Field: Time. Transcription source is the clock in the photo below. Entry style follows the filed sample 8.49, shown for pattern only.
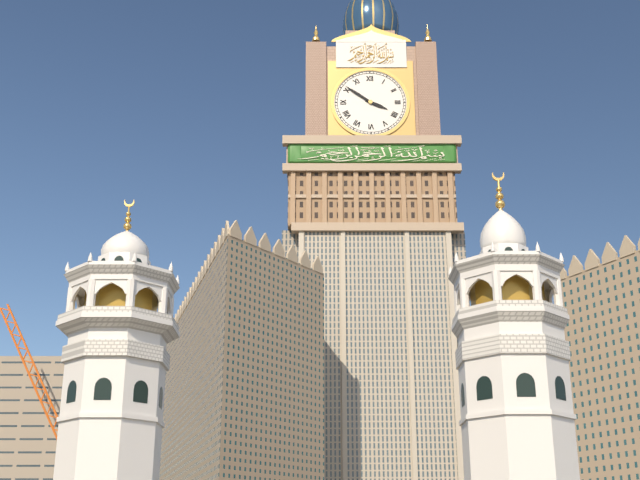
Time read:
3.51
